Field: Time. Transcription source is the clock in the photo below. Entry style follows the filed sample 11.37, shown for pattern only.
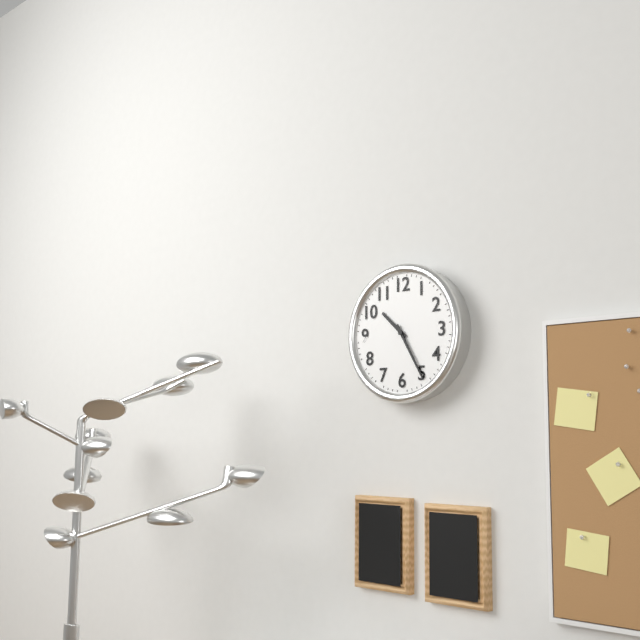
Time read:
10.25
